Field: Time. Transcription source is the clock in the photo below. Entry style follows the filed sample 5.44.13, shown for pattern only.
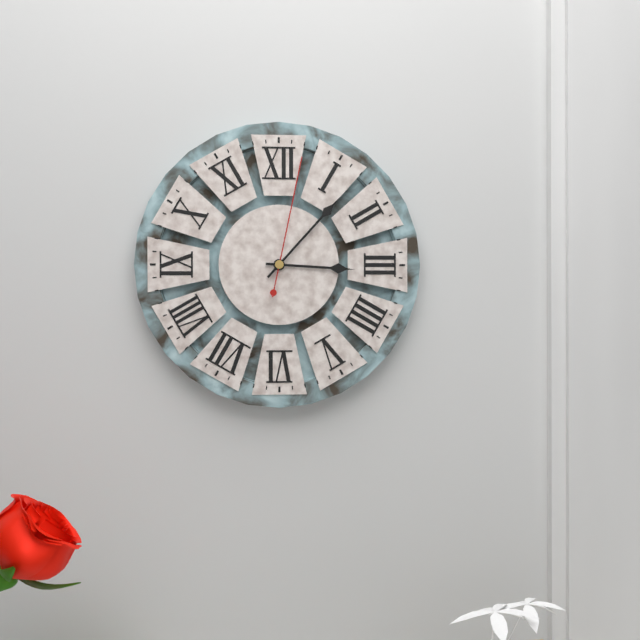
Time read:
3.07.02
